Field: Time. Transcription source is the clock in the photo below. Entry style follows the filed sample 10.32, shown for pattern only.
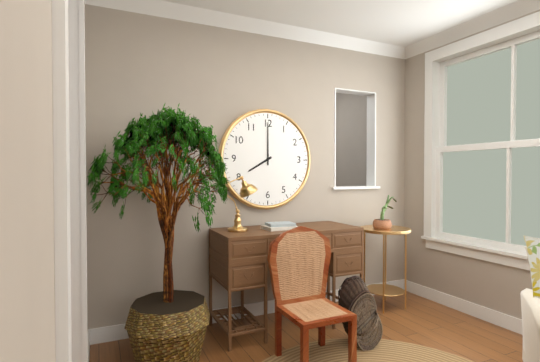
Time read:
8.00
